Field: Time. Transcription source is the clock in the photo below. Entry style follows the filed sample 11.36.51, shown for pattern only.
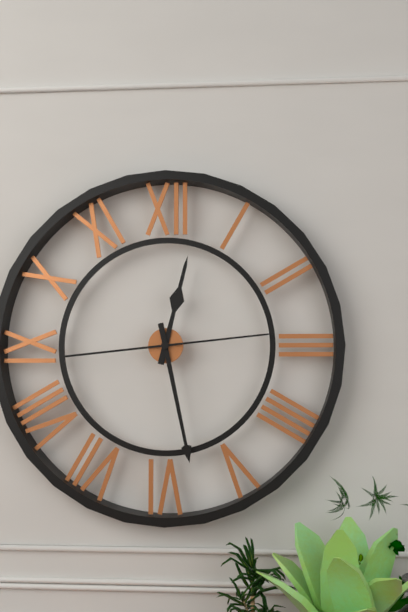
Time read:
12.28.14
